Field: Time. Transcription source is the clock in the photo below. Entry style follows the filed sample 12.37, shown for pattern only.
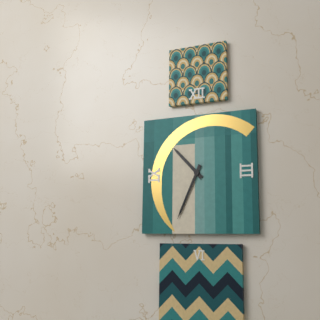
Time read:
10.34
